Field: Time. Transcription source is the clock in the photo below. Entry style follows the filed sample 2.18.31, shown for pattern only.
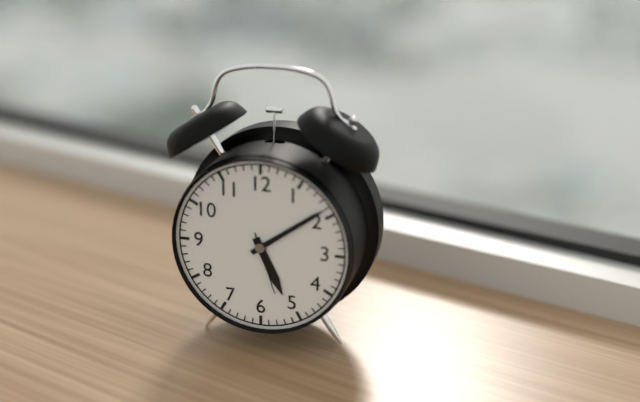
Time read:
5.09.27
